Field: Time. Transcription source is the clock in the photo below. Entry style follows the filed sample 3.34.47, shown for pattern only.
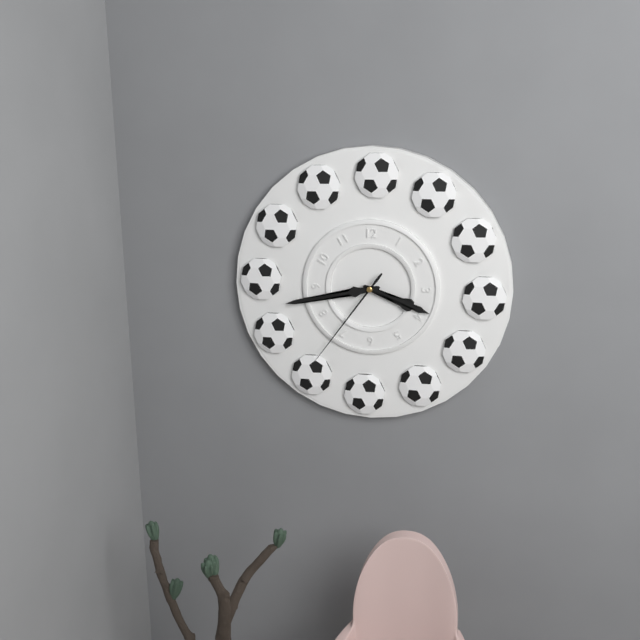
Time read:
3.43.36
